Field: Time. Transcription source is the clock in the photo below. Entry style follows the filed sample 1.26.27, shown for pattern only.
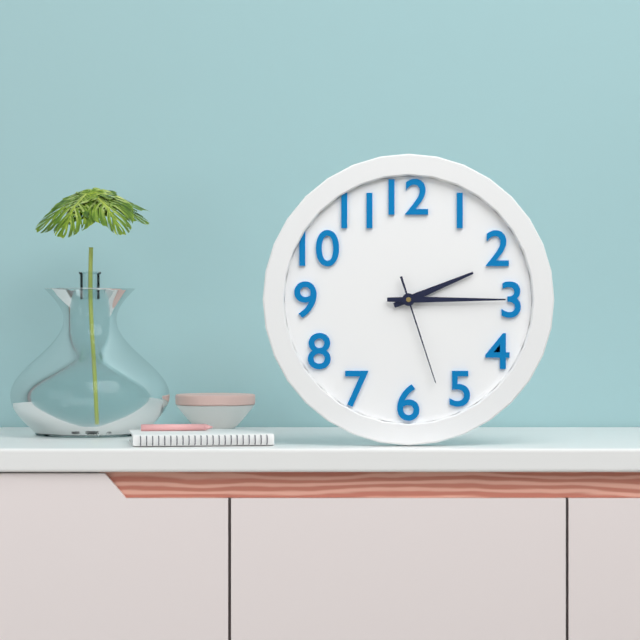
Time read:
2.15.27
